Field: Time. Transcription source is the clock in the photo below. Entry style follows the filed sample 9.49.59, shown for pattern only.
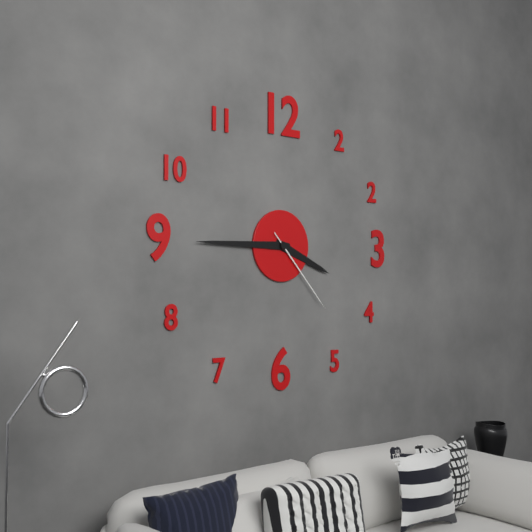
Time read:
3.45.23
